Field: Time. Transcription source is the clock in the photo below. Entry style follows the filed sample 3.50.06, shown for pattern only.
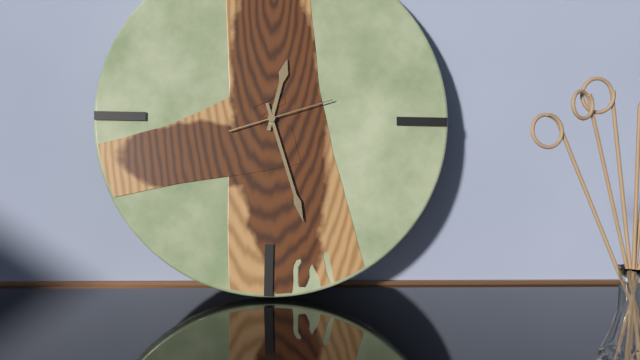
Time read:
12.27.12
